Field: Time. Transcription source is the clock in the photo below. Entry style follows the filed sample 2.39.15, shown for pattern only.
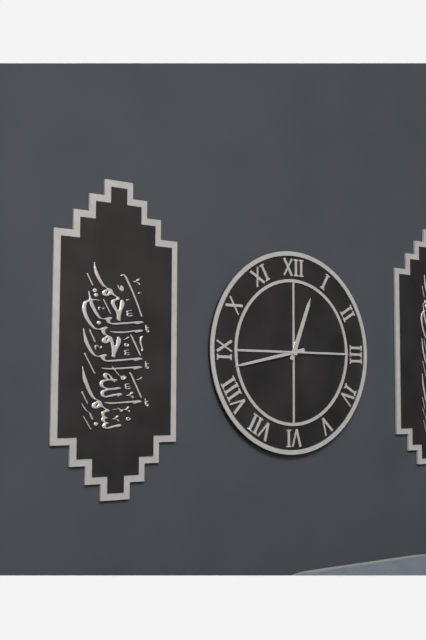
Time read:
12.43.15
